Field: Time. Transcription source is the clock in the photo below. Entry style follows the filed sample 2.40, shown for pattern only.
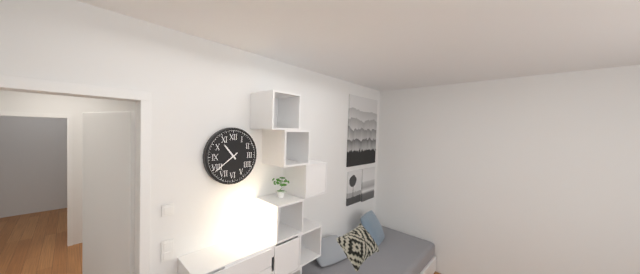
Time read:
10.39
